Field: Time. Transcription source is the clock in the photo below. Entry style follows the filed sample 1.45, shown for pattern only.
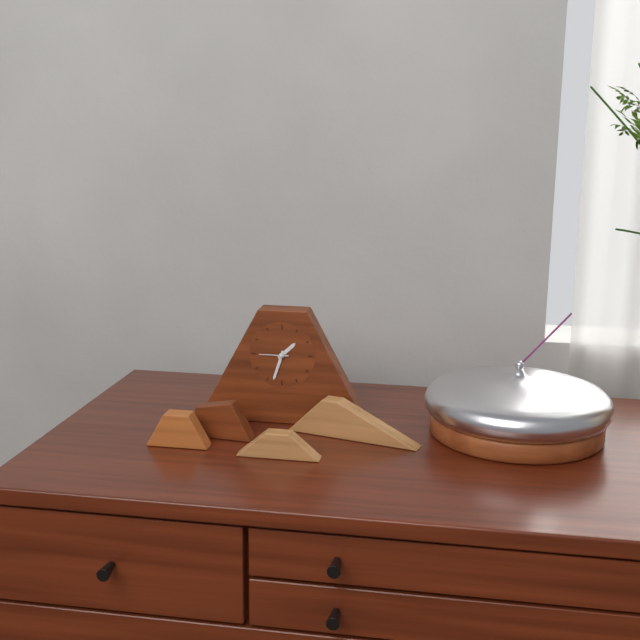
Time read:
1.33
